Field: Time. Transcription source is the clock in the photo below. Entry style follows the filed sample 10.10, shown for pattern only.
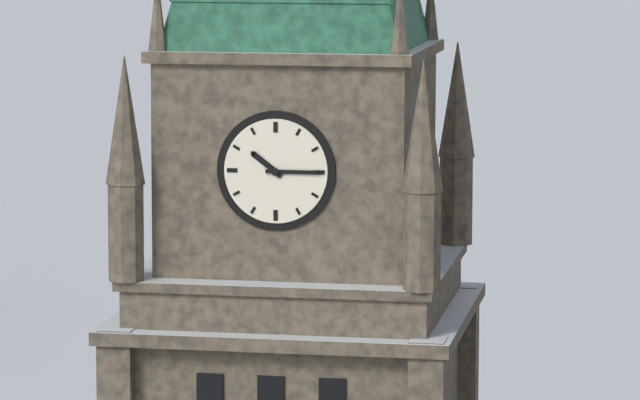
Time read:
10.15
